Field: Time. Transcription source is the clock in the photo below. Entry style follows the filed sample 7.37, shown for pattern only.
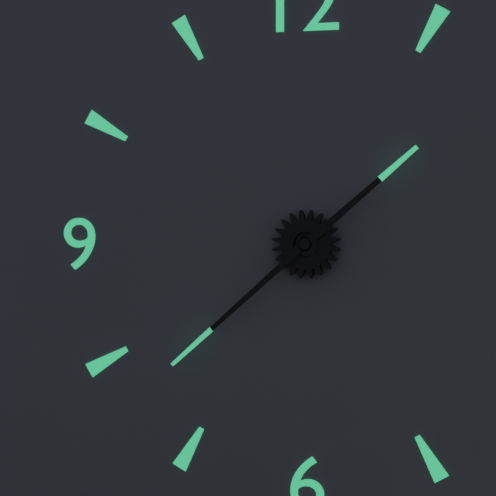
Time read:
1.38
